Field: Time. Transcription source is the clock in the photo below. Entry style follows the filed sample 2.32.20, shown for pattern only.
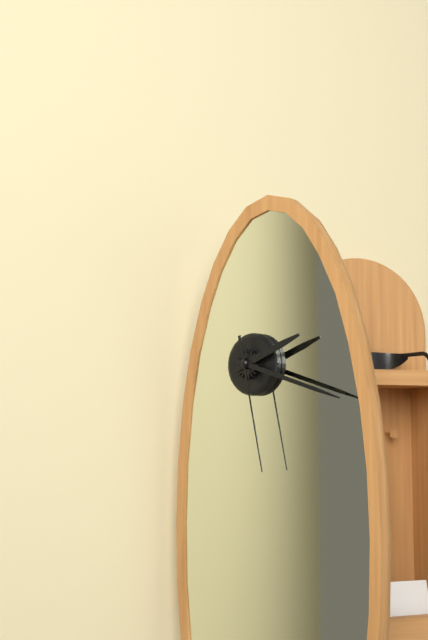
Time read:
2.18.28
